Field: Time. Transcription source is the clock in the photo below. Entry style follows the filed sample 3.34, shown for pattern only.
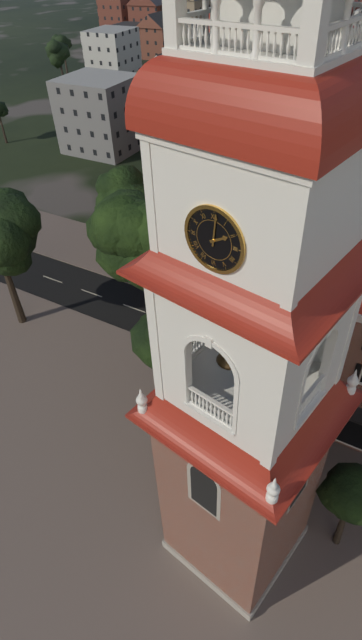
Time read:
2.01
